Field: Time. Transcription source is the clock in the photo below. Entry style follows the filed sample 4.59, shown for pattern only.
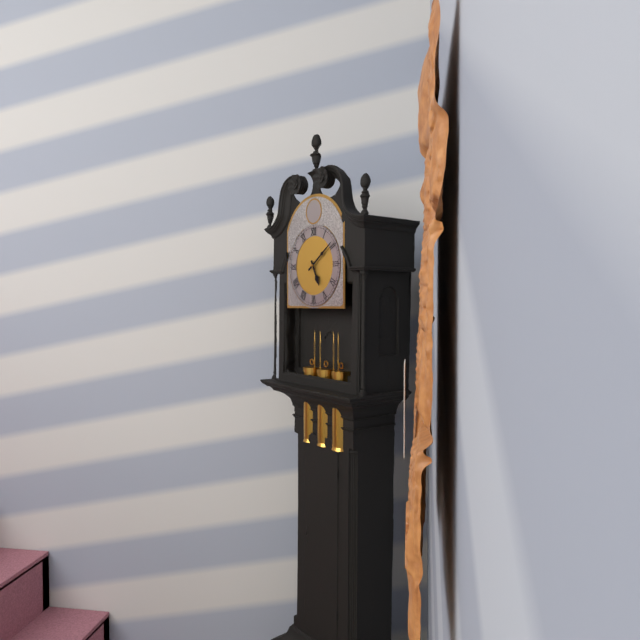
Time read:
5.09
